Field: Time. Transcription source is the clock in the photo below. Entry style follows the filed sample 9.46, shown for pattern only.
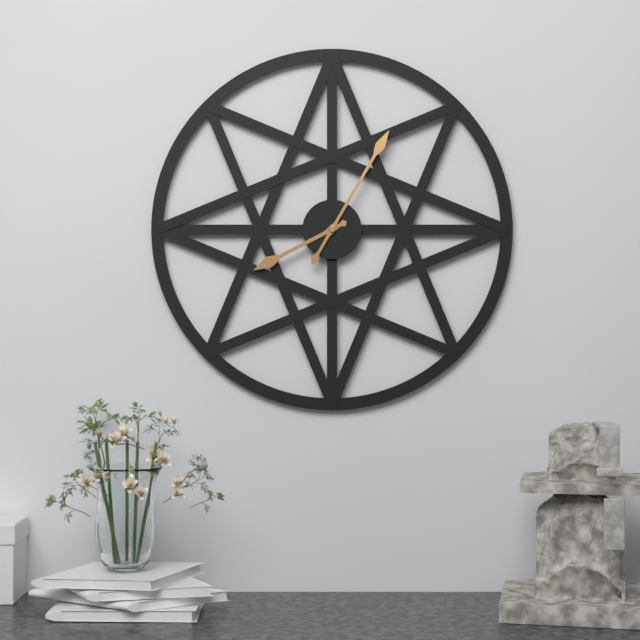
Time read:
8.05
